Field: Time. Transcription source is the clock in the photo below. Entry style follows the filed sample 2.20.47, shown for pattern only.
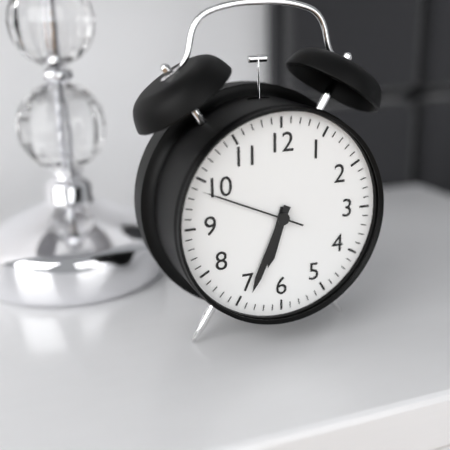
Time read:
6.34.49
